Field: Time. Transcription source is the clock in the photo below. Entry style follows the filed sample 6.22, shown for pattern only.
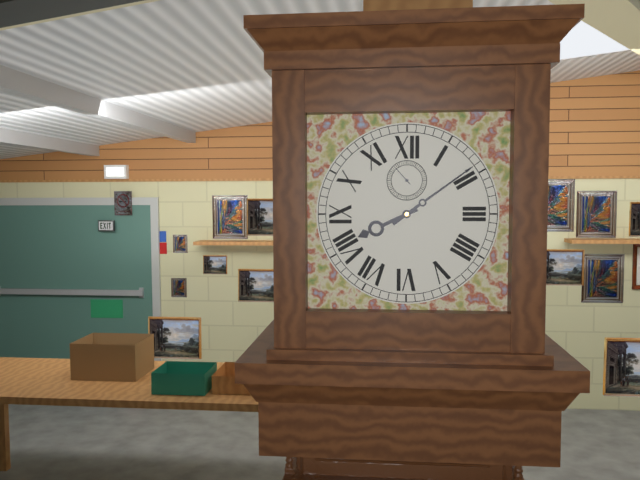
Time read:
8.09
